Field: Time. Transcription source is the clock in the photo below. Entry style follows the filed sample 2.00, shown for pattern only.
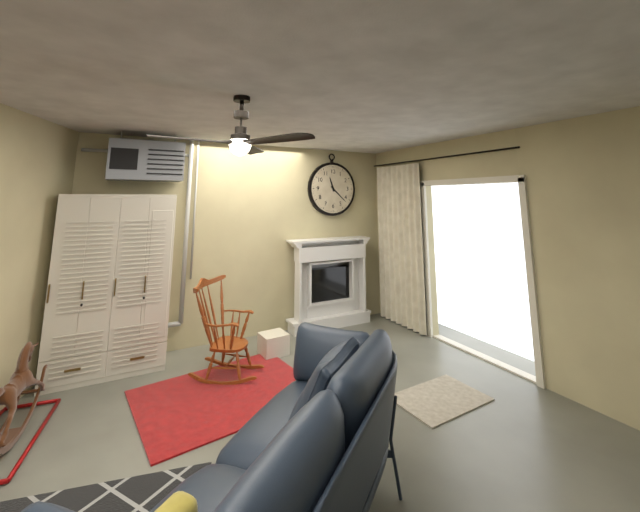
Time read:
11.22
